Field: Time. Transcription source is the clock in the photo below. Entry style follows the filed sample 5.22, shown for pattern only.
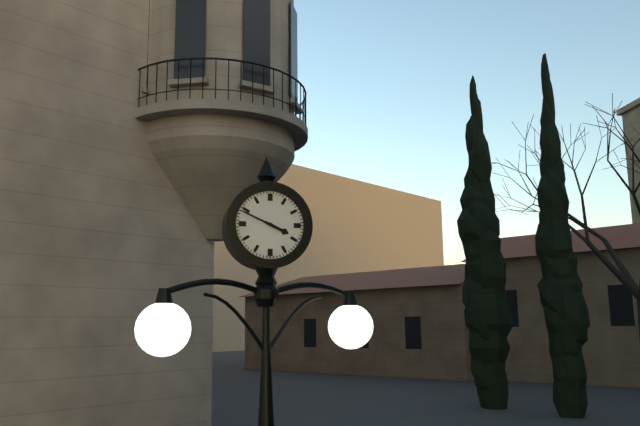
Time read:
3.49
